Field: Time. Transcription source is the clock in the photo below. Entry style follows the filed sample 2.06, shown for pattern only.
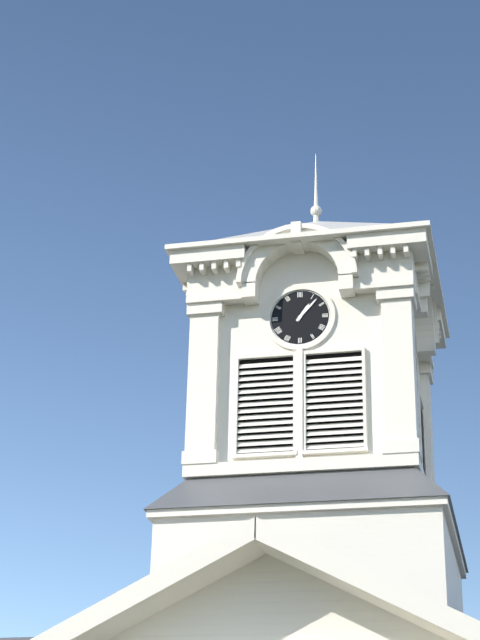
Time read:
1.07
